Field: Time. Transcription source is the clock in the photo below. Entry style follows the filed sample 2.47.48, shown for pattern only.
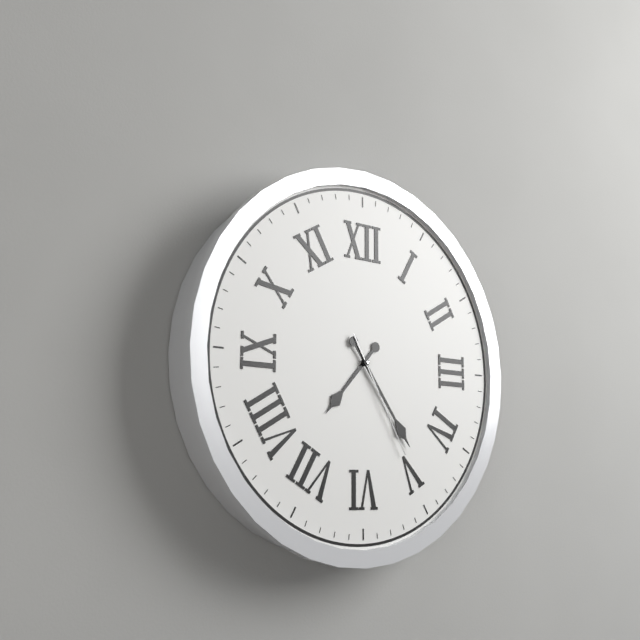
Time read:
7.24.25
